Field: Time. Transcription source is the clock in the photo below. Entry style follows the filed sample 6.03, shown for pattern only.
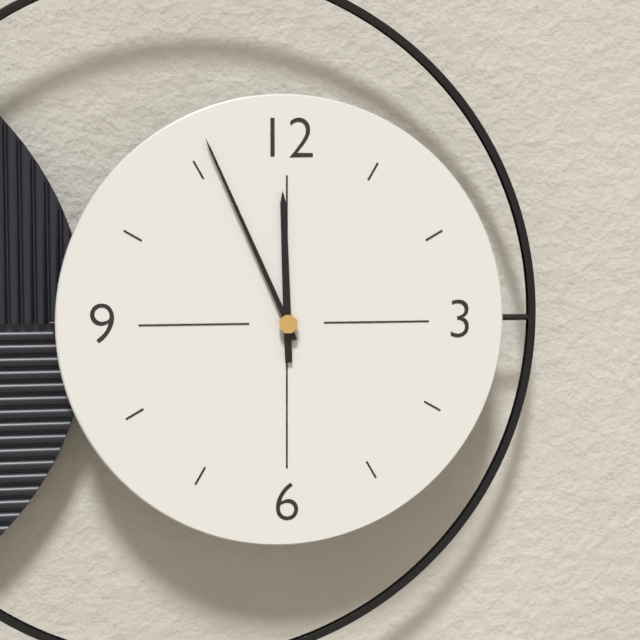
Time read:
11.56
